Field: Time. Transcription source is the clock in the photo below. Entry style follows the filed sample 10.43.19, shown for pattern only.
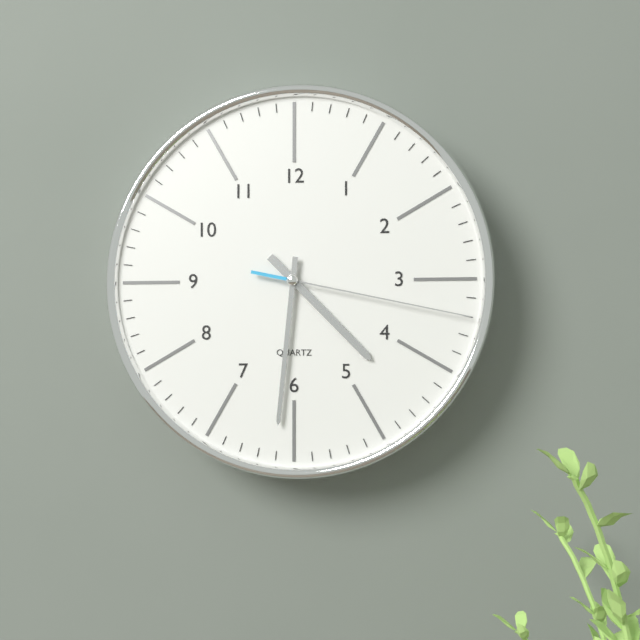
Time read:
4.31.17
